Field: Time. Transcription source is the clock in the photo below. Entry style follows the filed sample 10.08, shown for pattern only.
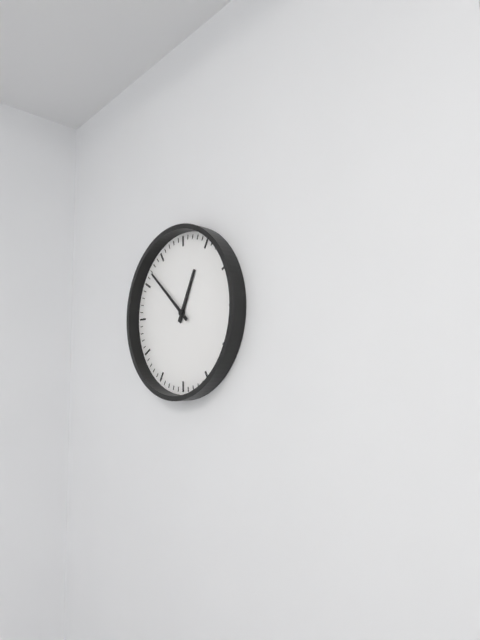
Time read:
12.52
